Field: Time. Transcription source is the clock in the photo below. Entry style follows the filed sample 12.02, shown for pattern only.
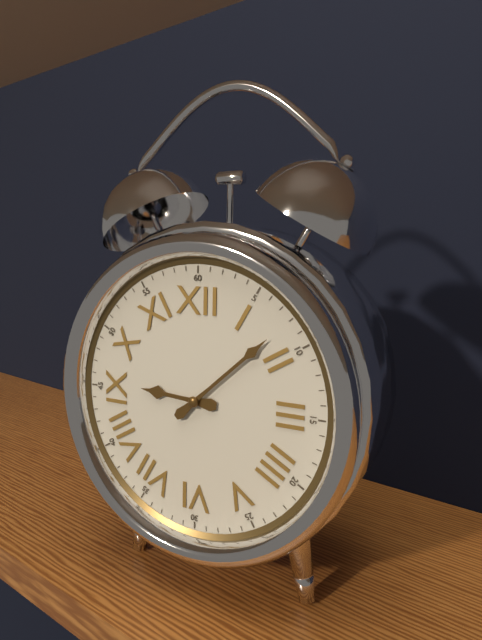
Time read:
9.08
